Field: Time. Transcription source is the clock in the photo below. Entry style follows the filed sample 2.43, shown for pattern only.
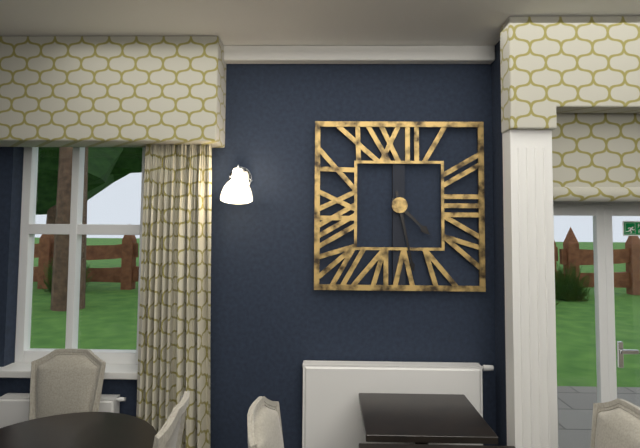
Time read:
4.28
